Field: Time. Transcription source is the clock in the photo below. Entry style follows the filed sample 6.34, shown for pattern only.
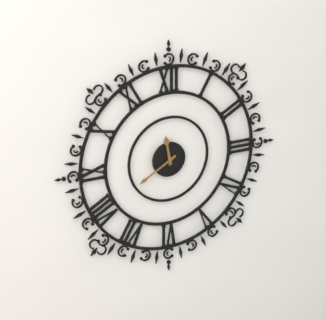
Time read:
11.40
